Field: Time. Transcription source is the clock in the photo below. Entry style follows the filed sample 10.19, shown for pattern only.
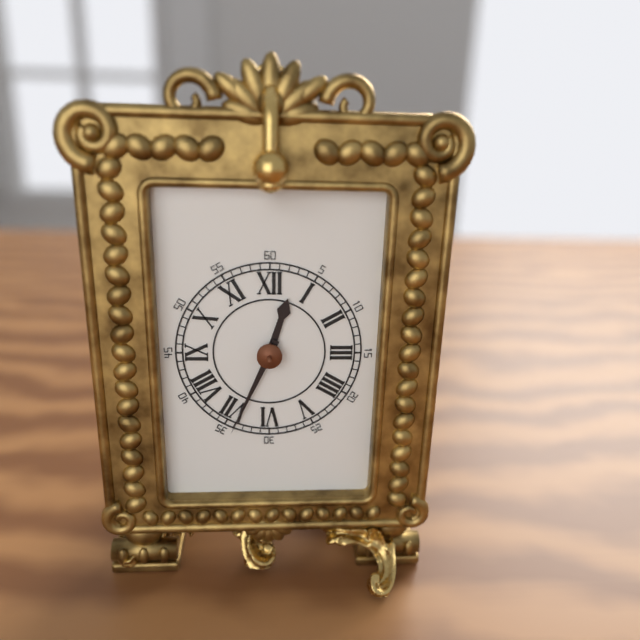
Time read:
12.34
